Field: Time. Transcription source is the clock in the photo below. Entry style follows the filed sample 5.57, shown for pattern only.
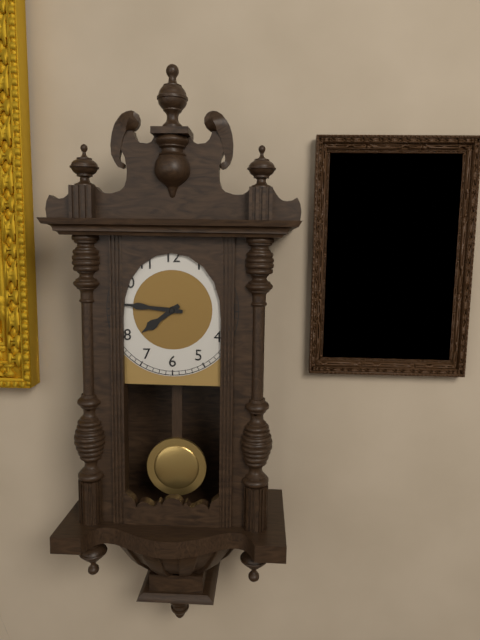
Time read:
7.46
